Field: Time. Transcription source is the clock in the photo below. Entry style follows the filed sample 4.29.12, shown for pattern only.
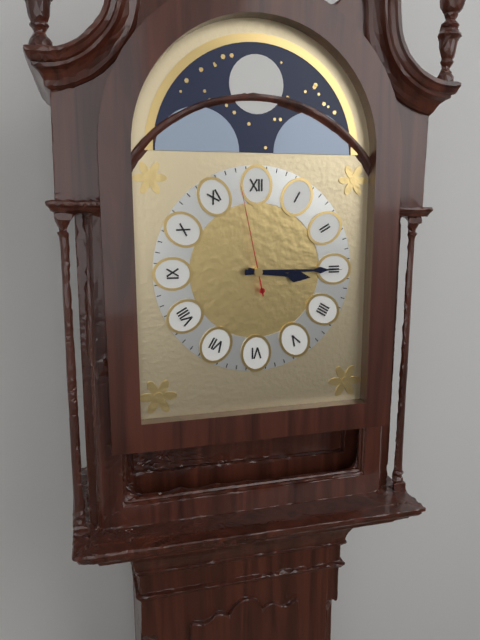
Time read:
3.15.58
